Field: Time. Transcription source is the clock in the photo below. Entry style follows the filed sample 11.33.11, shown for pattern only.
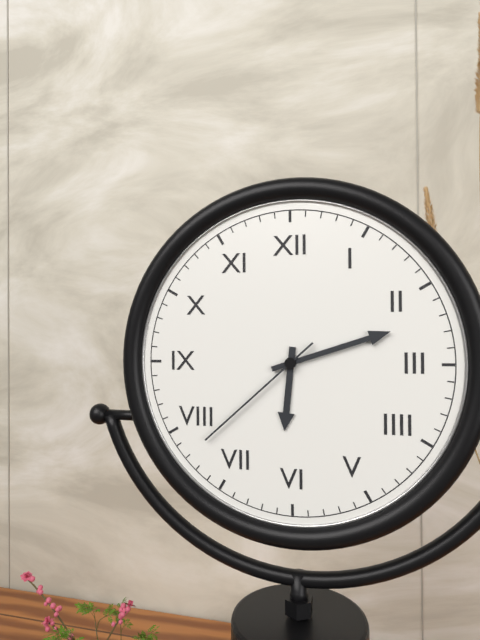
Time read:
6.12.38
